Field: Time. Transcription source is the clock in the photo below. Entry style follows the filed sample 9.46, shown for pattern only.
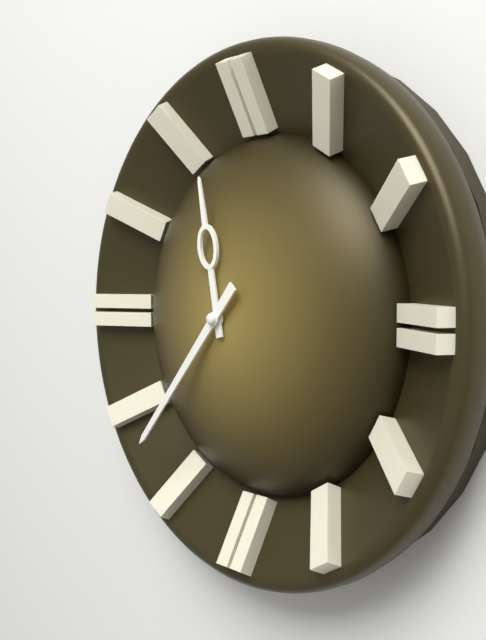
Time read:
11.37
